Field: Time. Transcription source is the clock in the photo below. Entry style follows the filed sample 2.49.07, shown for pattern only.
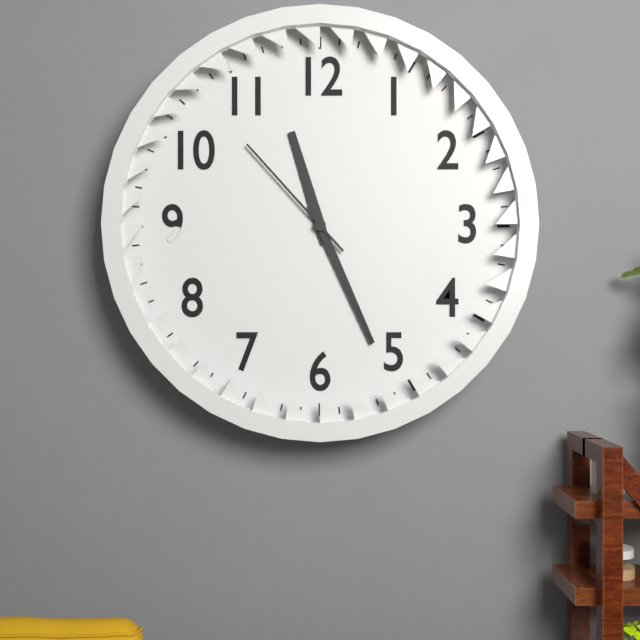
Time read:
11.26.53
